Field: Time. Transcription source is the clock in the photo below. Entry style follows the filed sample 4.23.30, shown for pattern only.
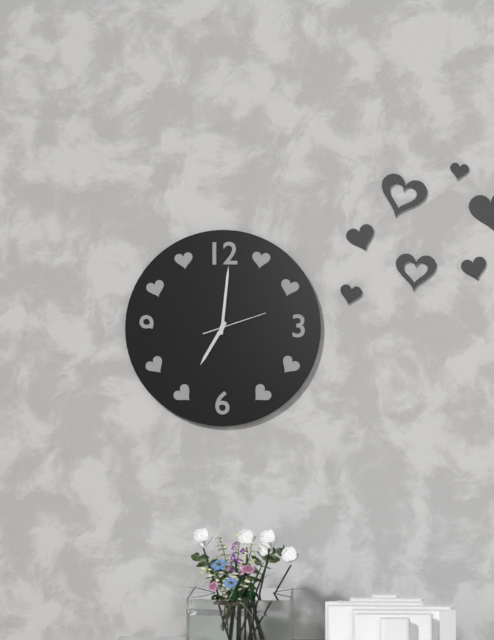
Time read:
7.01.12
